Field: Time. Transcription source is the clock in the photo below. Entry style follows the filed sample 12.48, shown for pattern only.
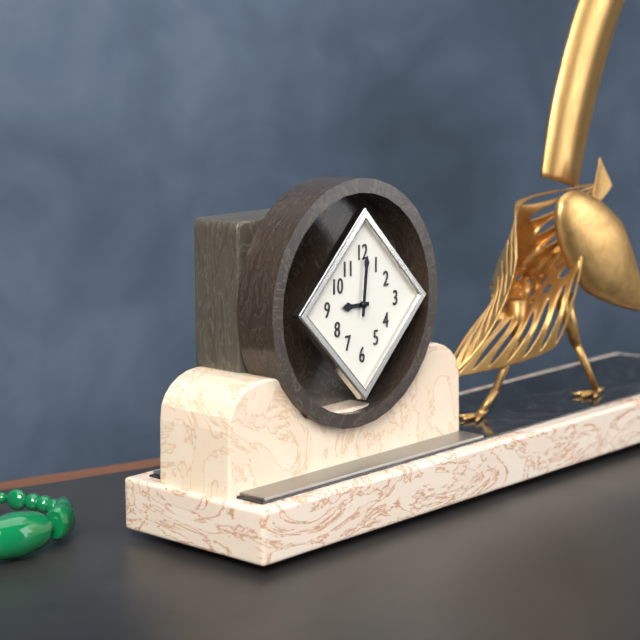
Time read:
9.01
